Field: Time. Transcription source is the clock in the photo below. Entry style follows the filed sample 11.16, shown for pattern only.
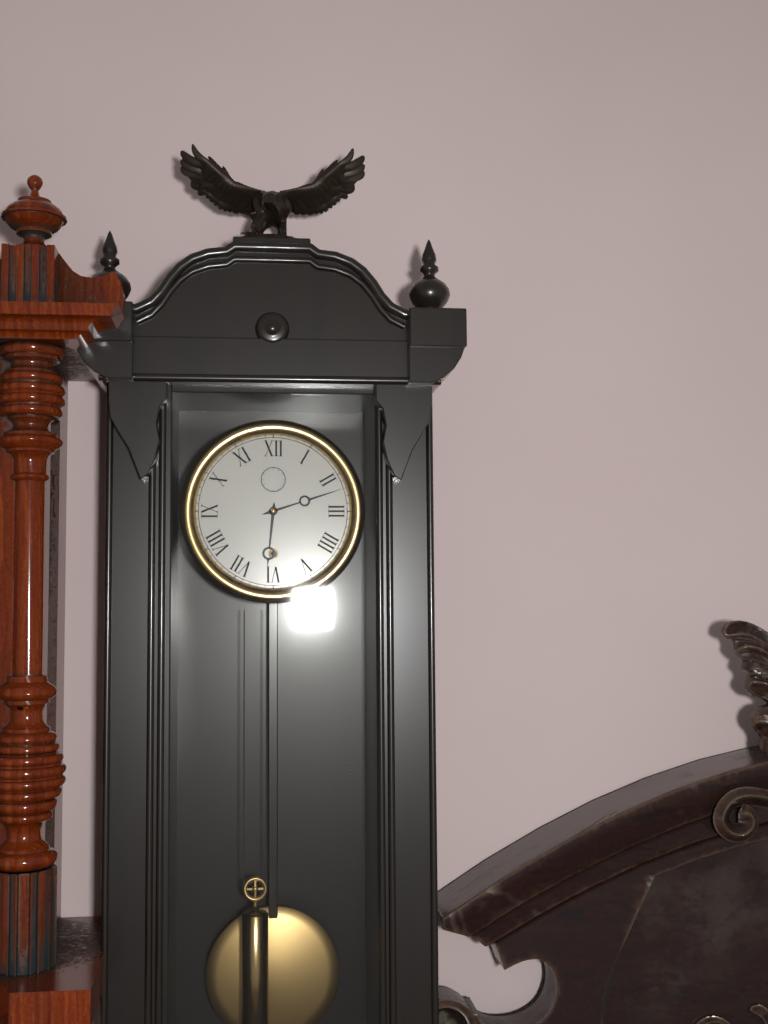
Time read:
6.12
